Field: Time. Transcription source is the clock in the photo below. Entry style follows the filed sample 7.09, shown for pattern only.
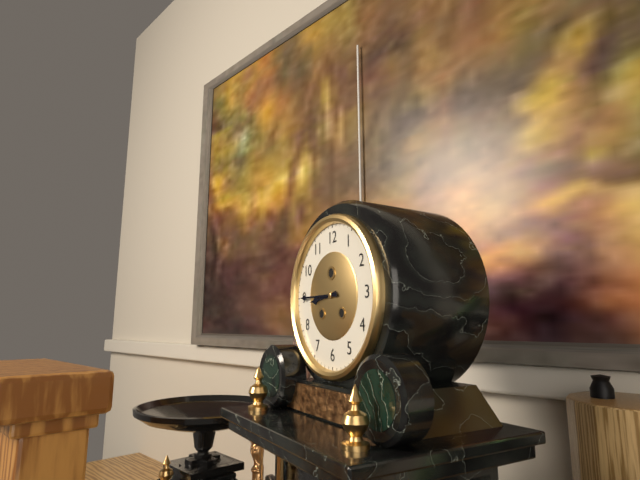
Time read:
8.45
